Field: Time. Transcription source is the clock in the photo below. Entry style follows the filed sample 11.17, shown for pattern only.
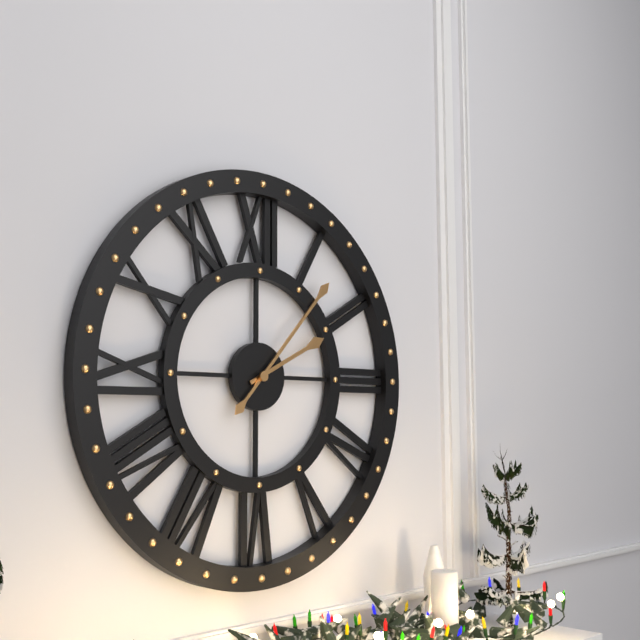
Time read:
2.07
